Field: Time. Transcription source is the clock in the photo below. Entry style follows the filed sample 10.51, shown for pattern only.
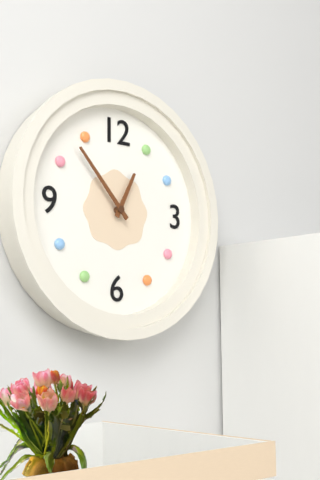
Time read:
12.53
